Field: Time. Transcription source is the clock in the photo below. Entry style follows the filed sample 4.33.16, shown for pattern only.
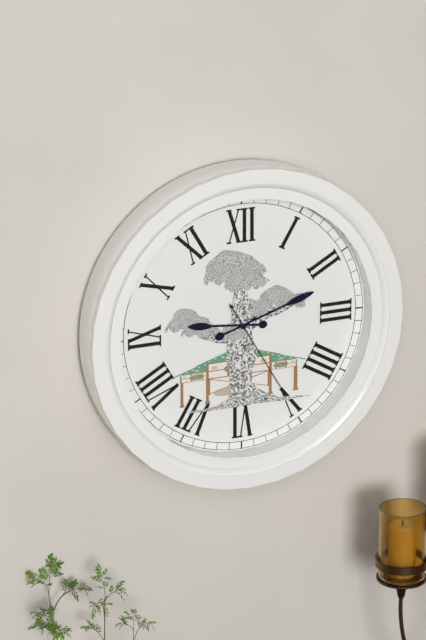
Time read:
9.12.25
